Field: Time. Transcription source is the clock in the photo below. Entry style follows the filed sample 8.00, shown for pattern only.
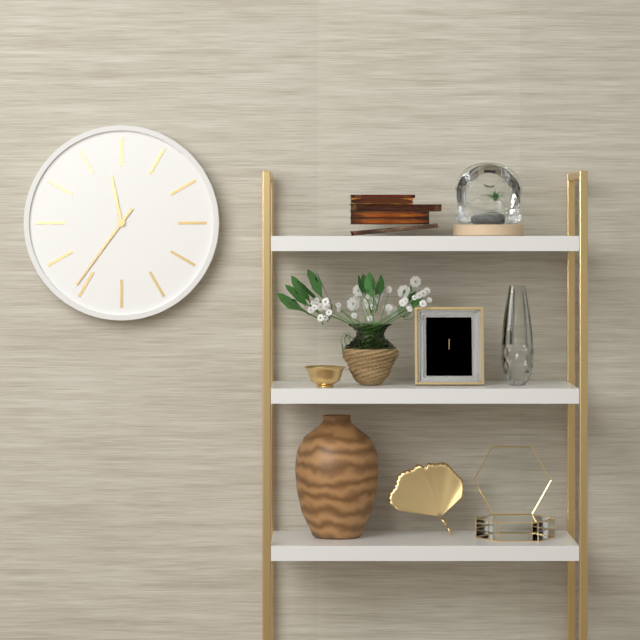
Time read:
11.36
